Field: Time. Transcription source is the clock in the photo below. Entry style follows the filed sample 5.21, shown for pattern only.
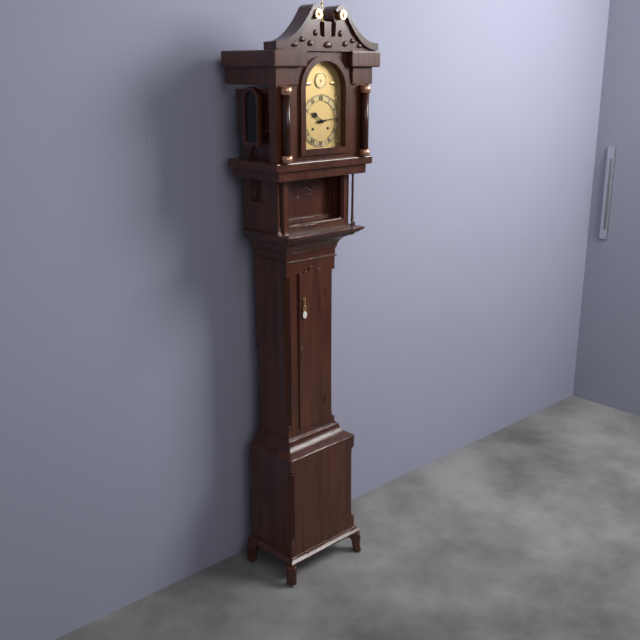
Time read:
10.14
